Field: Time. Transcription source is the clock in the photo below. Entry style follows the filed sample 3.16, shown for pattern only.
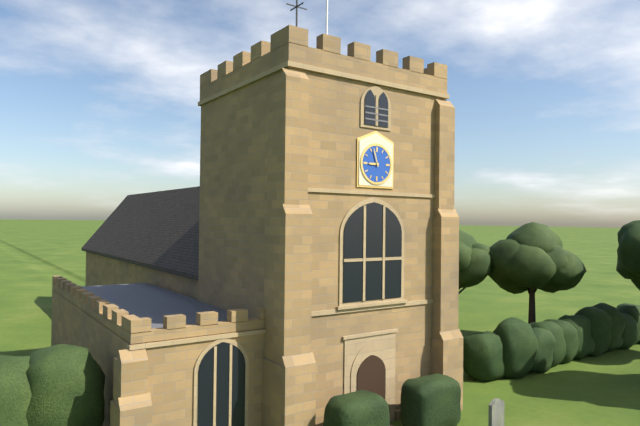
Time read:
8.57
